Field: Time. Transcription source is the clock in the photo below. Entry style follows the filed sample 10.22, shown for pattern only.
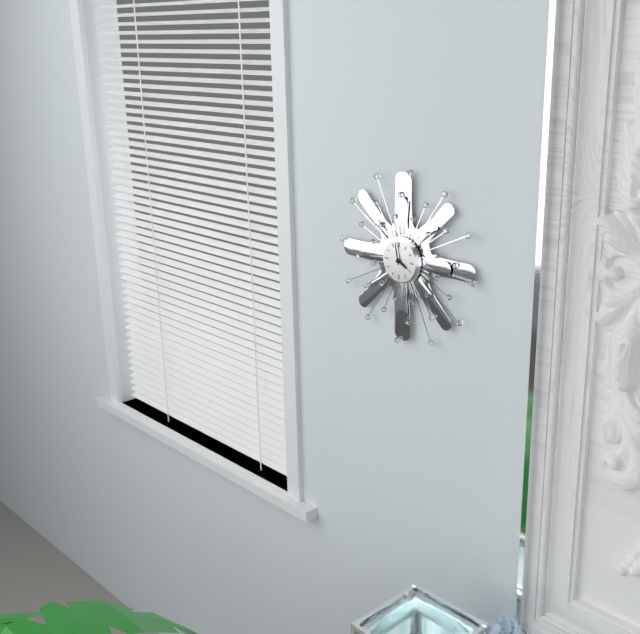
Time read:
3.58
